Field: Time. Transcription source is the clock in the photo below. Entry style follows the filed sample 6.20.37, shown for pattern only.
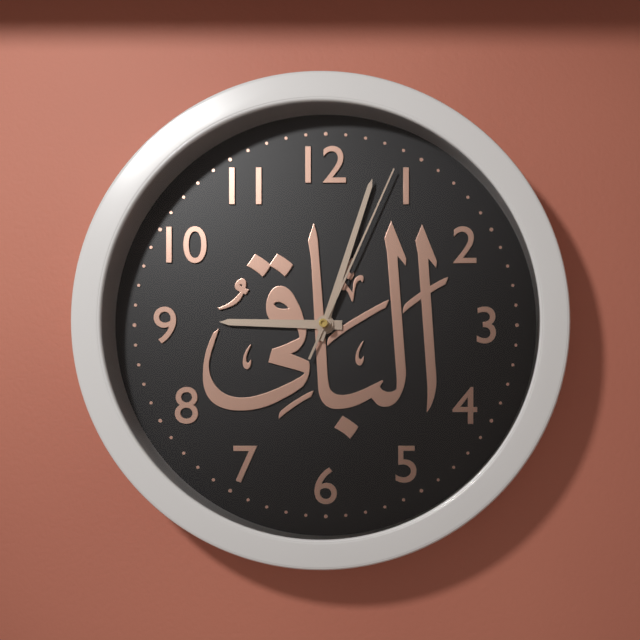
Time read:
9.03.04
